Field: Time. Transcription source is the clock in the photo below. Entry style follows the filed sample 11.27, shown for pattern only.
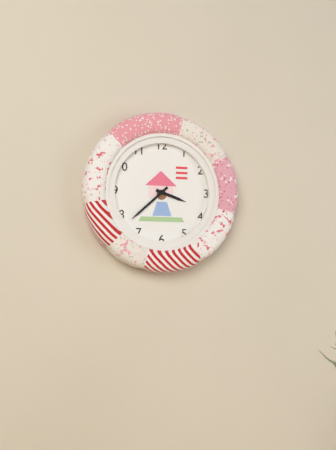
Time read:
3.38
